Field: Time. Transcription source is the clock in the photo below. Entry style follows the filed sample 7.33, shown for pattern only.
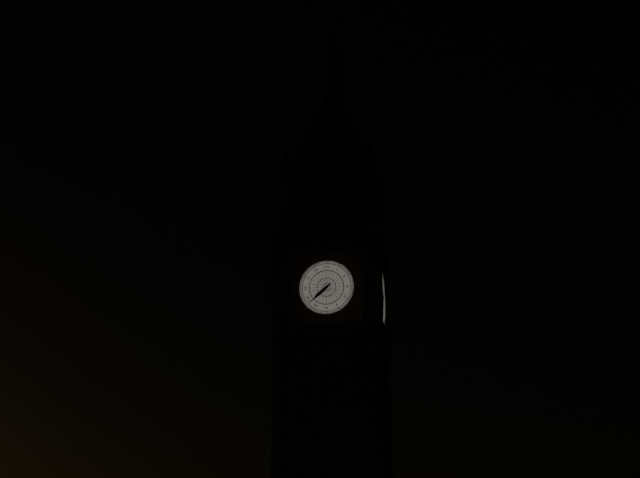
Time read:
7.38
